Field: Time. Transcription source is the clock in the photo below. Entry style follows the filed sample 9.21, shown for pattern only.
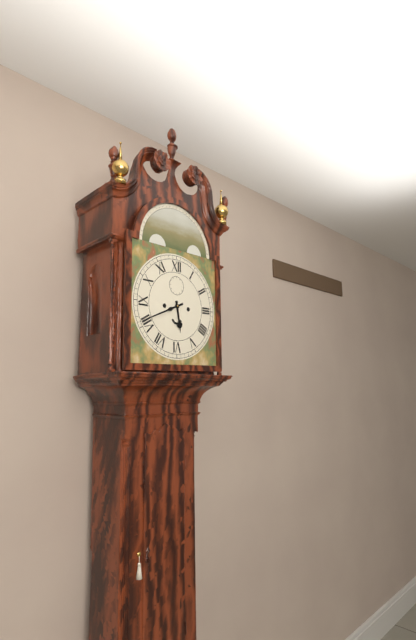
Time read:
5.41
